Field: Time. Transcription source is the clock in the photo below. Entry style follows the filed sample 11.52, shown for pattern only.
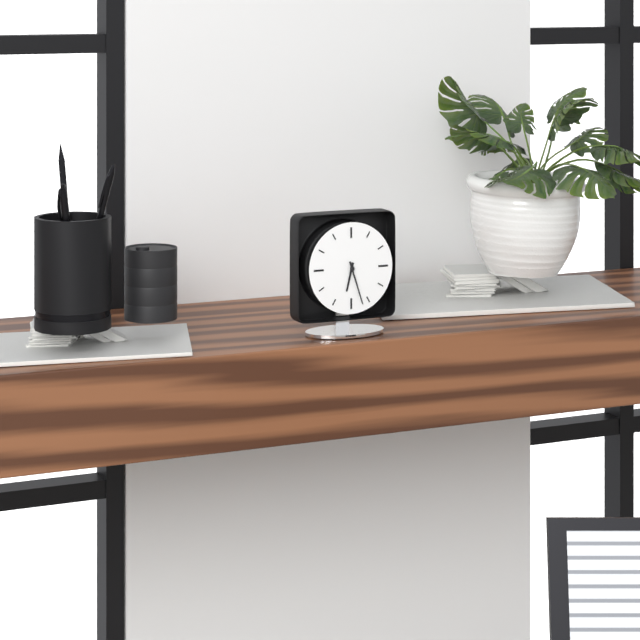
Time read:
6.27
